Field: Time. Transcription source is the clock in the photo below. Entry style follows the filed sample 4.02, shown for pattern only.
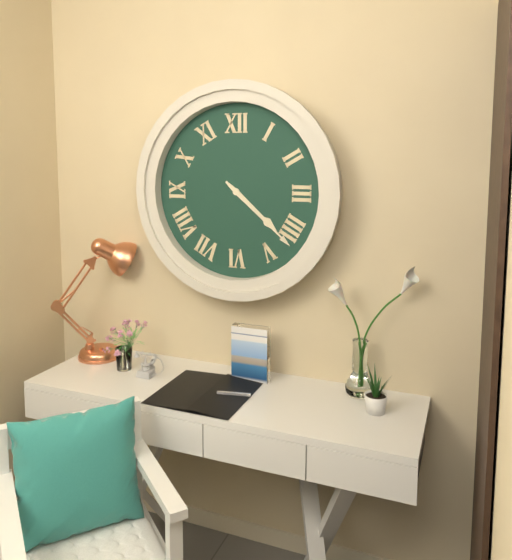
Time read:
4.22
